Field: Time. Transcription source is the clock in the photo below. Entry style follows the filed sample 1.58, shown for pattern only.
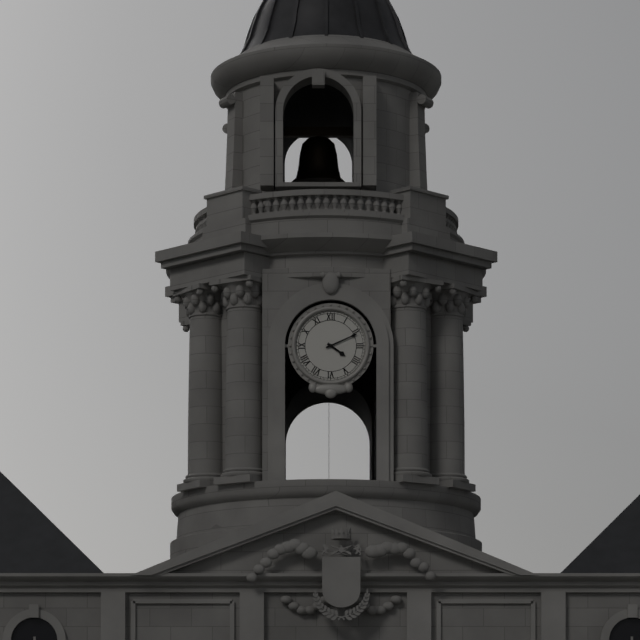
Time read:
4.11
